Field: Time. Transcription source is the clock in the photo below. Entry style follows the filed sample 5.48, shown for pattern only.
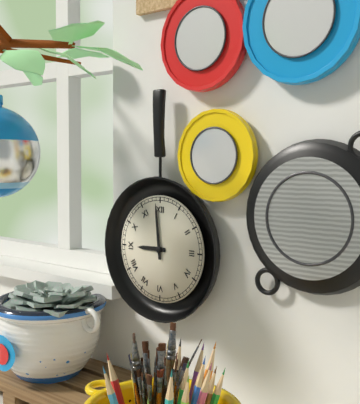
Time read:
8.59
